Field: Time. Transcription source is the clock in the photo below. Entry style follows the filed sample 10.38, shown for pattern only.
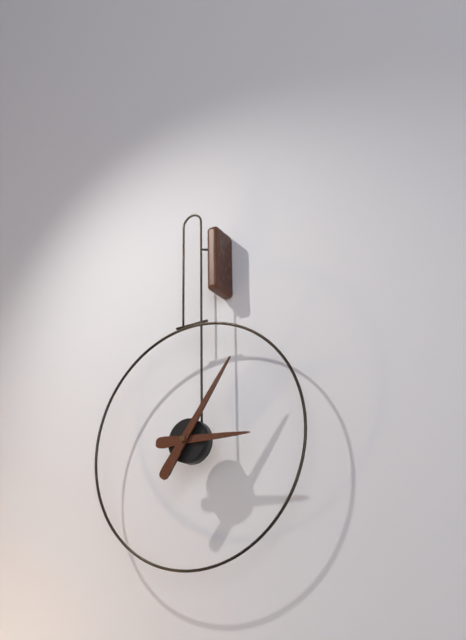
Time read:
3.06
